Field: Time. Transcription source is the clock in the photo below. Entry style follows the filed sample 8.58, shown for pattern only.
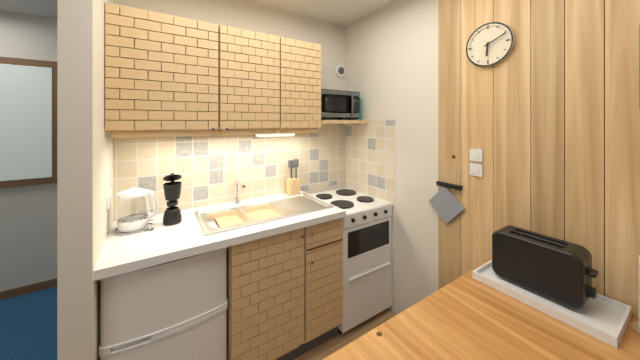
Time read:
6.11
